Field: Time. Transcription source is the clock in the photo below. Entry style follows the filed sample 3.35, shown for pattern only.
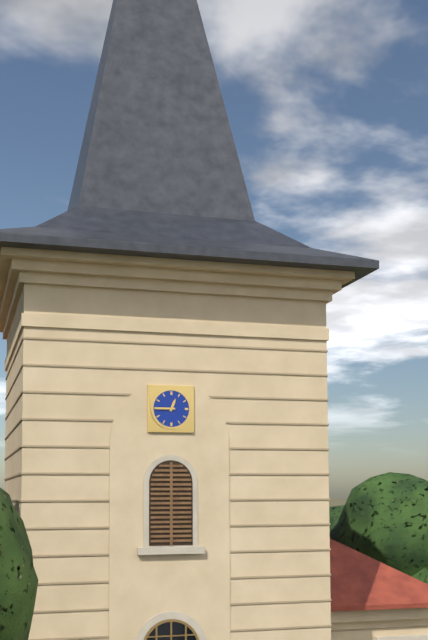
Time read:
12.45
